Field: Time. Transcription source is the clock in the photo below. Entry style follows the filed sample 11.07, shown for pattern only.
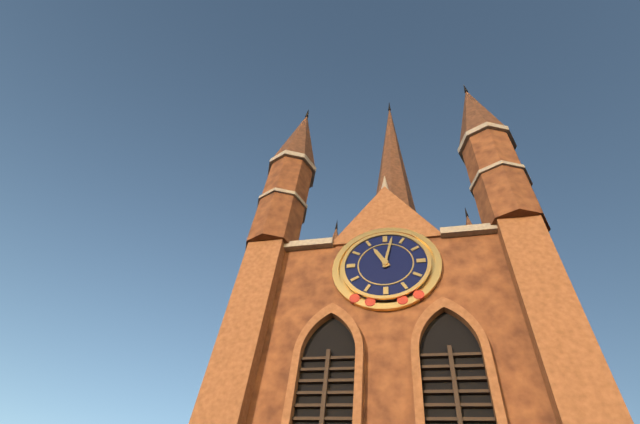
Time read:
11.02
